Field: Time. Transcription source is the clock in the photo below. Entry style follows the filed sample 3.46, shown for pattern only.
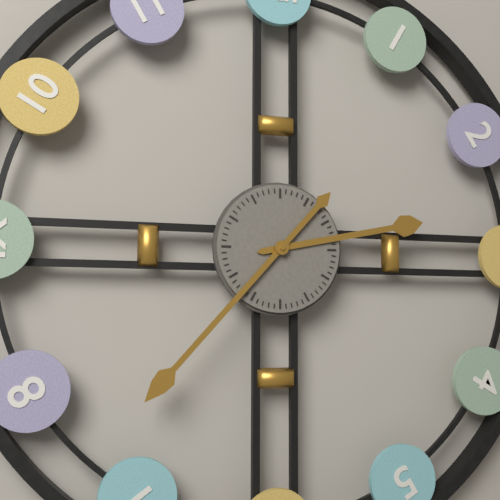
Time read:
2.37
